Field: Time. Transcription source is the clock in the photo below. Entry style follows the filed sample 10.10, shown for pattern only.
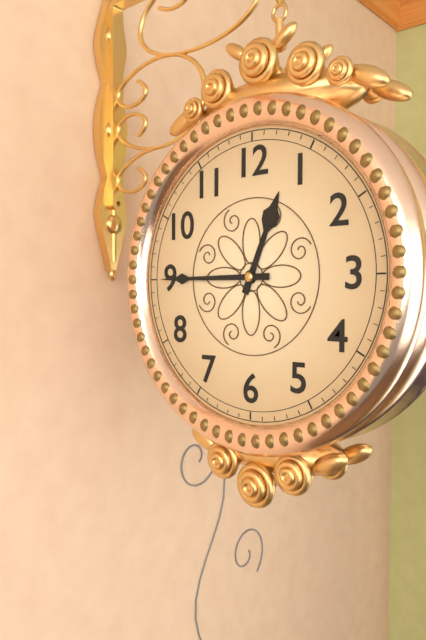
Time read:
12.45
